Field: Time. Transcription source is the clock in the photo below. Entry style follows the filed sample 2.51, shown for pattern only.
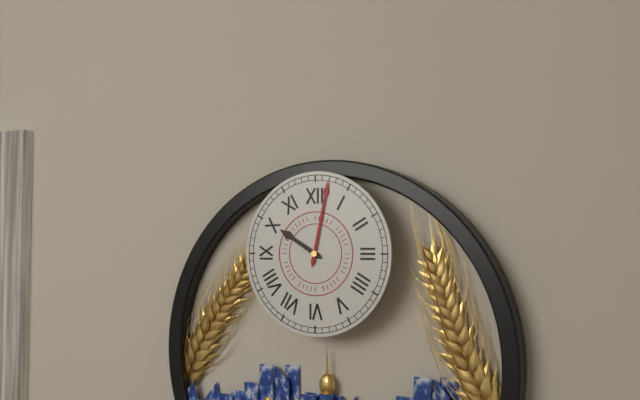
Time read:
10.02
